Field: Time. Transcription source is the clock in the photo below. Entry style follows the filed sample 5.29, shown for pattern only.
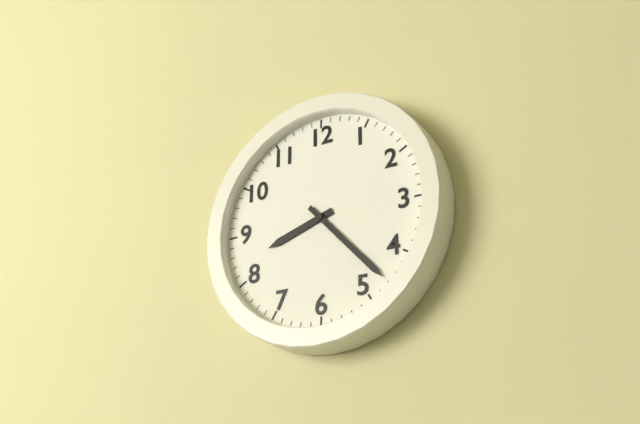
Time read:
8.23
